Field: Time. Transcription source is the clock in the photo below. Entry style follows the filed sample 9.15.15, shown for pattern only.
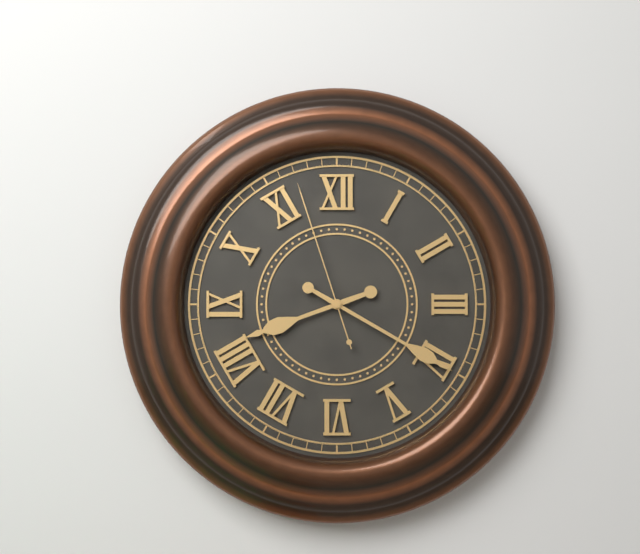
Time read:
8.20.57
